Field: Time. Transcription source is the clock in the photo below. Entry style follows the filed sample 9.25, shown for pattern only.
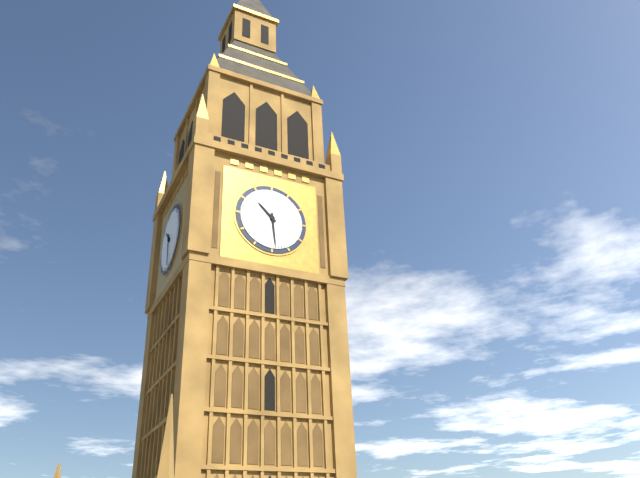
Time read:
10.29
